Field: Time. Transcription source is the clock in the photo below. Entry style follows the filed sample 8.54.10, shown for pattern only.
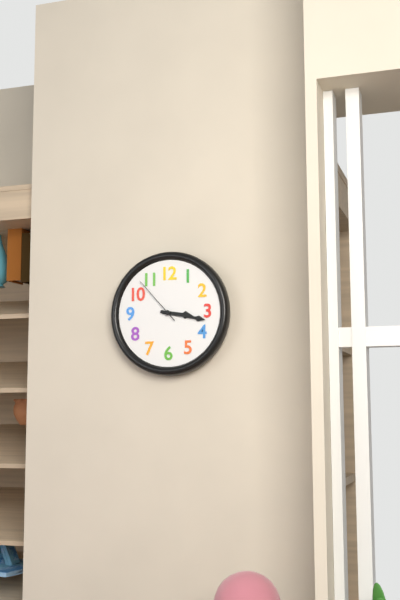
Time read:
3.17.53
